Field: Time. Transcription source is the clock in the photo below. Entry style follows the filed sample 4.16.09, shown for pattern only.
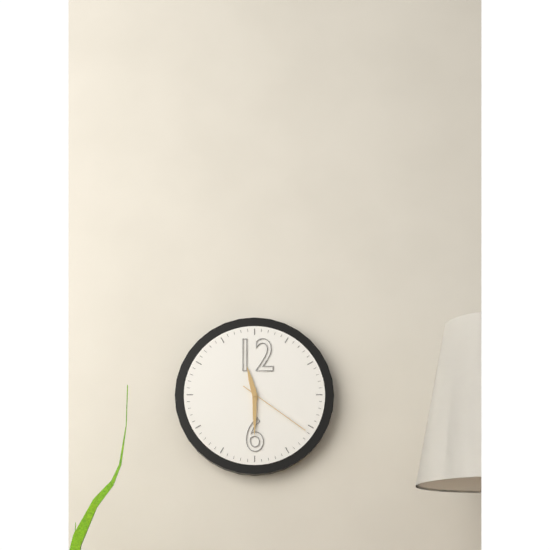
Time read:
11.30.21
